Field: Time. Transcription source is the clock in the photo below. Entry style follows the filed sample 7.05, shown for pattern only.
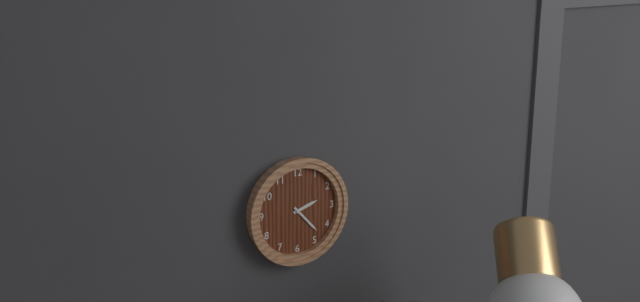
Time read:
2.23
